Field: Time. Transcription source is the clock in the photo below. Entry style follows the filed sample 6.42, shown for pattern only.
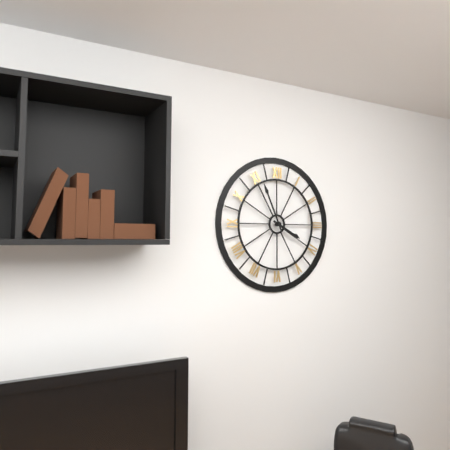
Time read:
3.56
